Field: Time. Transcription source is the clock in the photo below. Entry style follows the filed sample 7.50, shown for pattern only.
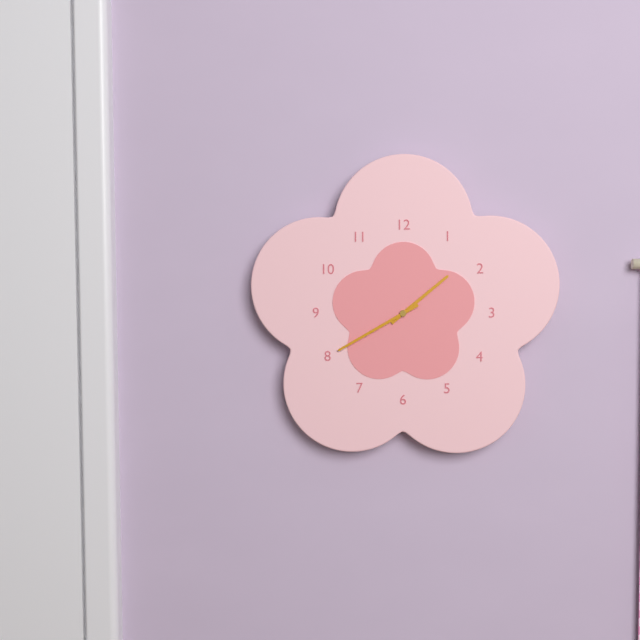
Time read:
1.40
